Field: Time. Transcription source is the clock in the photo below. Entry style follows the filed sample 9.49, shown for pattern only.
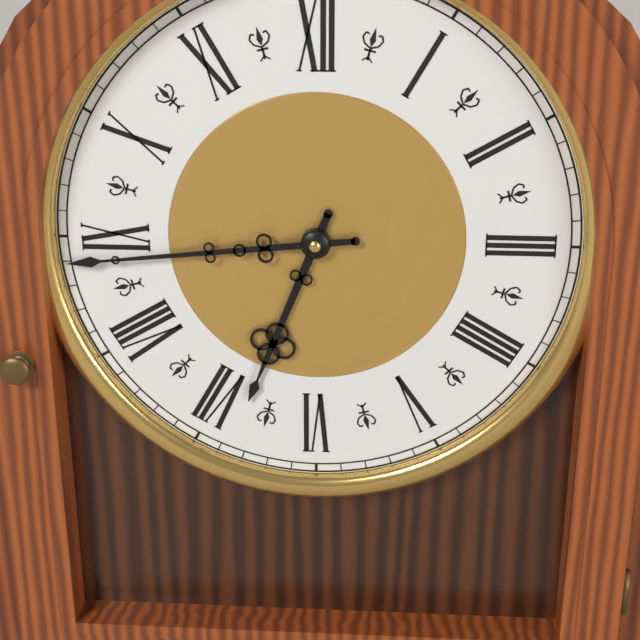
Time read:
6.44
